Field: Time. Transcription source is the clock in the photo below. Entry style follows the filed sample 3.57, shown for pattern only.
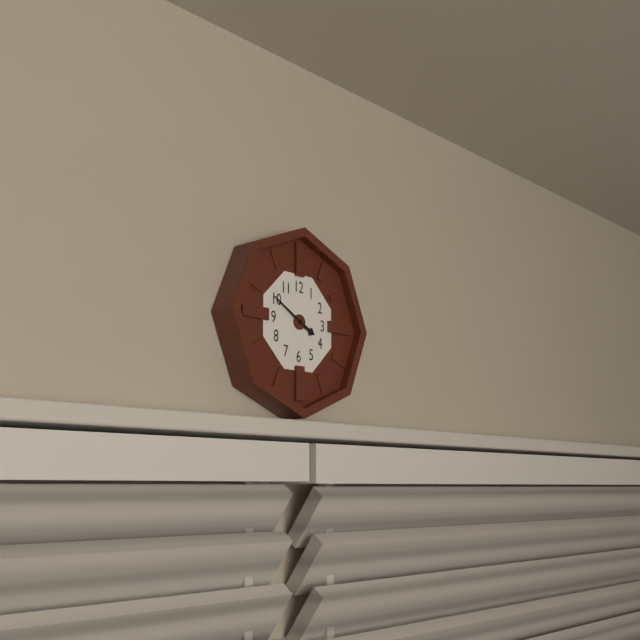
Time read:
3.50
